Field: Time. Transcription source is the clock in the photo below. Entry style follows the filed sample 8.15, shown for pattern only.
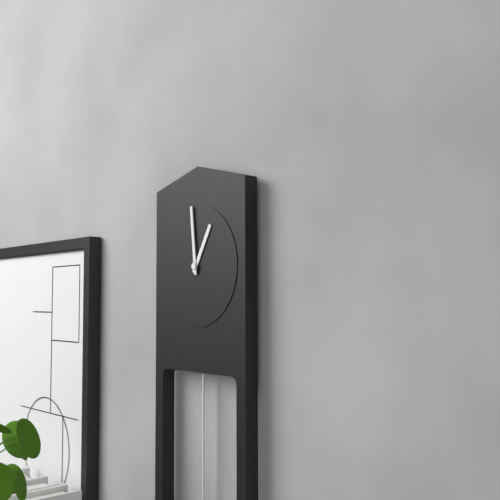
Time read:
12.59
